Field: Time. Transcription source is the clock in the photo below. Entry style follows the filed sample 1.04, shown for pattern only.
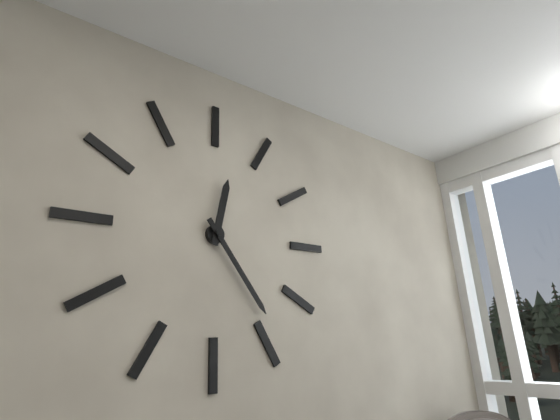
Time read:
12.24
